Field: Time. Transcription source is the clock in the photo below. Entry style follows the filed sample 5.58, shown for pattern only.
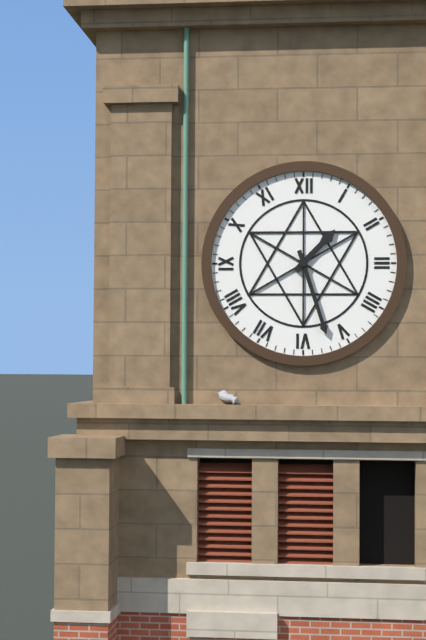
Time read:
1.27
